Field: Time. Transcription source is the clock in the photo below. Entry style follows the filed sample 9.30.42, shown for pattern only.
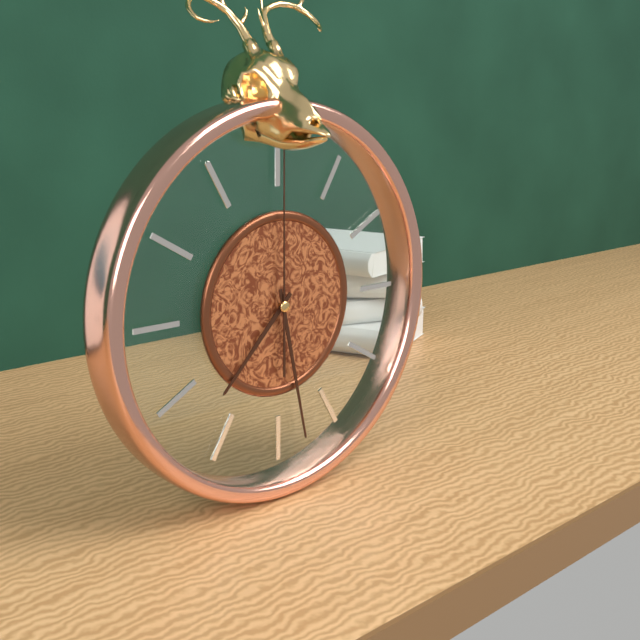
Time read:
7.28.00
